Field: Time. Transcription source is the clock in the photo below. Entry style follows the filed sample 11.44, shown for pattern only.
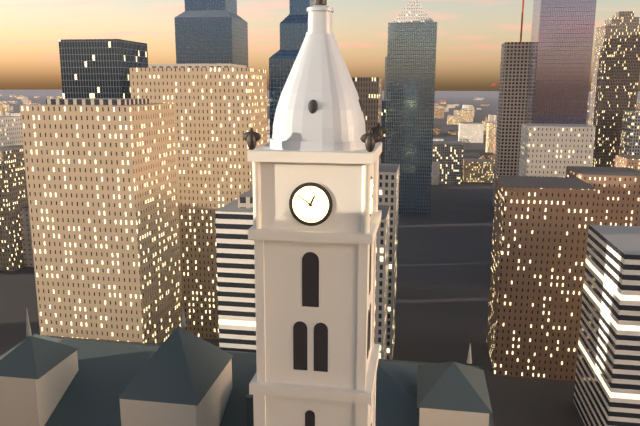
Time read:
12.51
